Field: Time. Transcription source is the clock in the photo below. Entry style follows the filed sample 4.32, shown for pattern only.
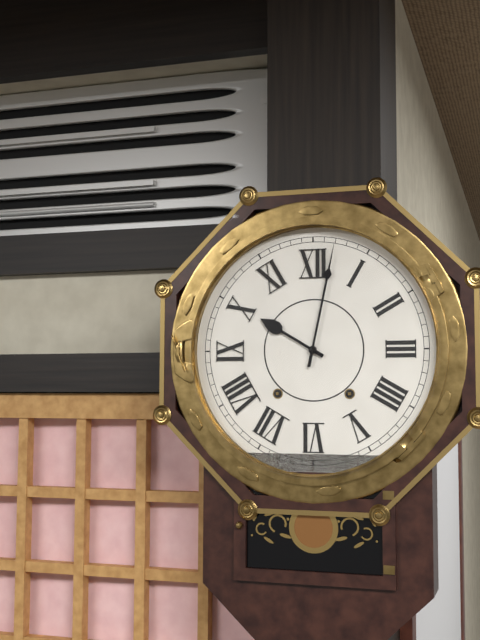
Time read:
10.02
